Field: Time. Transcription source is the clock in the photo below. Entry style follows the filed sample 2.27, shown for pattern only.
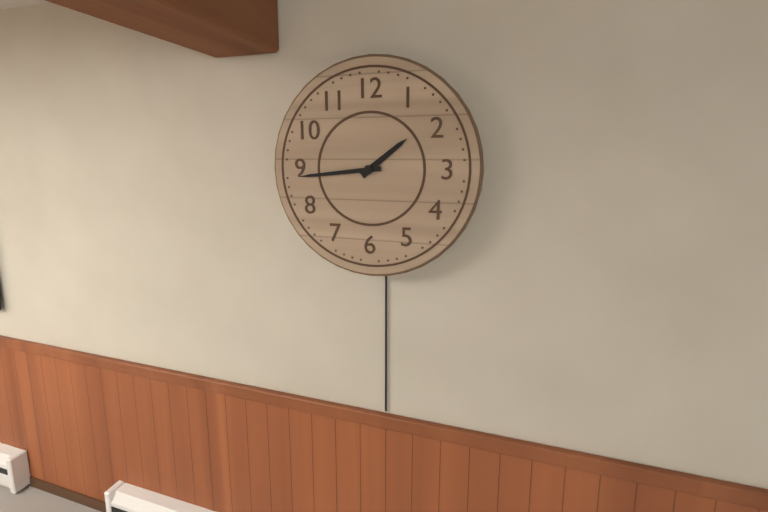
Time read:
1.44
